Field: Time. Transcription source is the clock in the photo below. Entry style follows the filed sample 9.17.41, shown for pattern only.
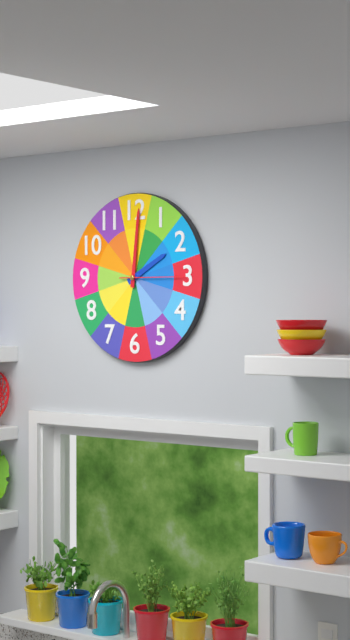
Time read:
2.01.15
